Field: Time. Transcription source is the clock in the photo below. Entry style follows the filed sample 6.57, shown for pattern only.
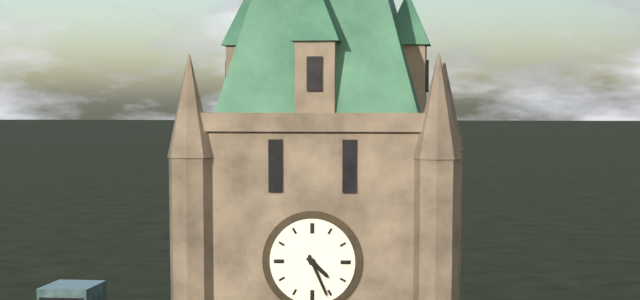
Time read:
4.26
